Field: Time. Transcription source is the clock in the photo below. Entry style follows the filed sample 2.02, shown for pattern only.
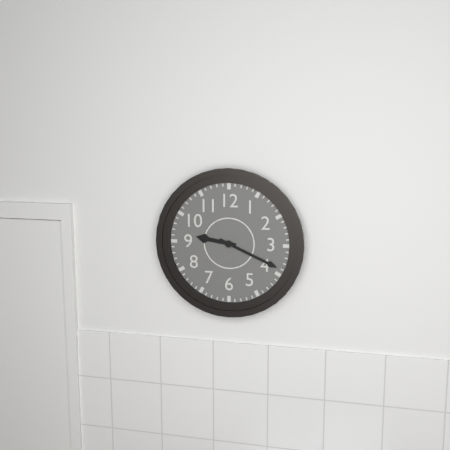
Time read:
9.19
